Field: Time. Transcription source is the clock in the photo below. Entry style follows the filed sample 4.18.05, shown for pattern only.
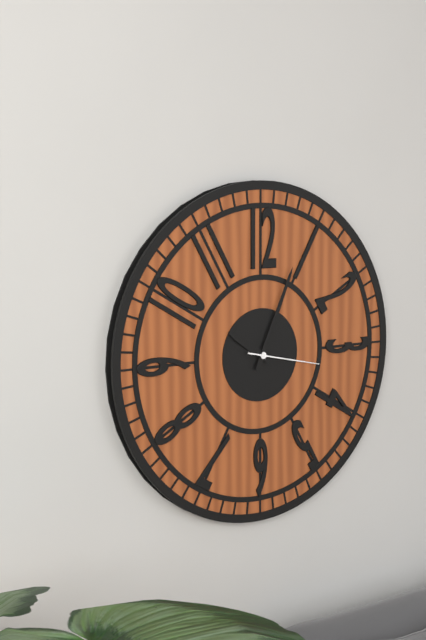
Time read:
10.04.17
